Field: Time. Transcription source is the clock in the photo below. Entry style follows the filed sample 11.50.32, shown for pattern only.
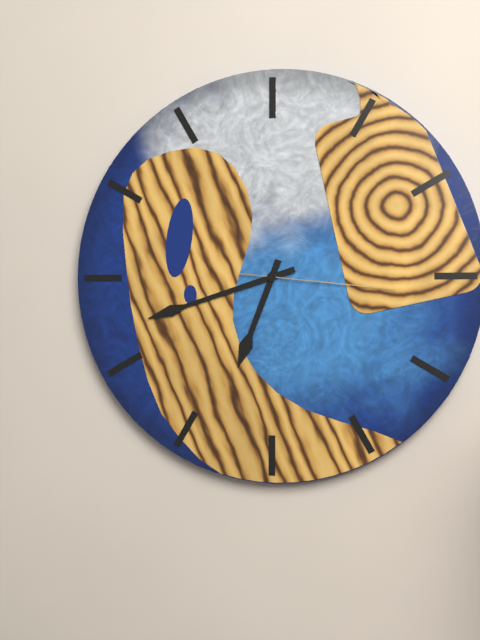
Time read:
6.42.16
